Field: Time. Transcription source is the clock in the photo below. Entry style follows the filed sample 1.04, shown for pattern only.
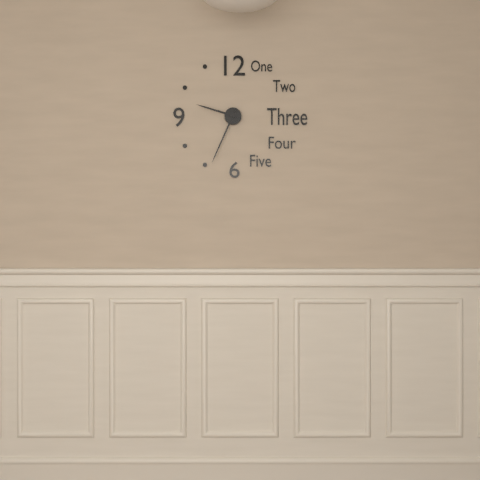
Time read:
9.34
